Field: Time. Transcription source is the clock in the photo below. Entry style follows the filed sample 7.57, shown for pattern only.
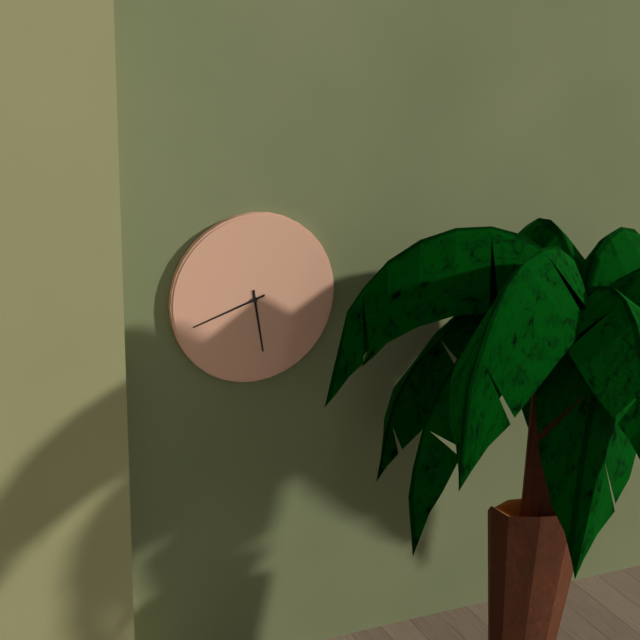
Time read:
5.42
